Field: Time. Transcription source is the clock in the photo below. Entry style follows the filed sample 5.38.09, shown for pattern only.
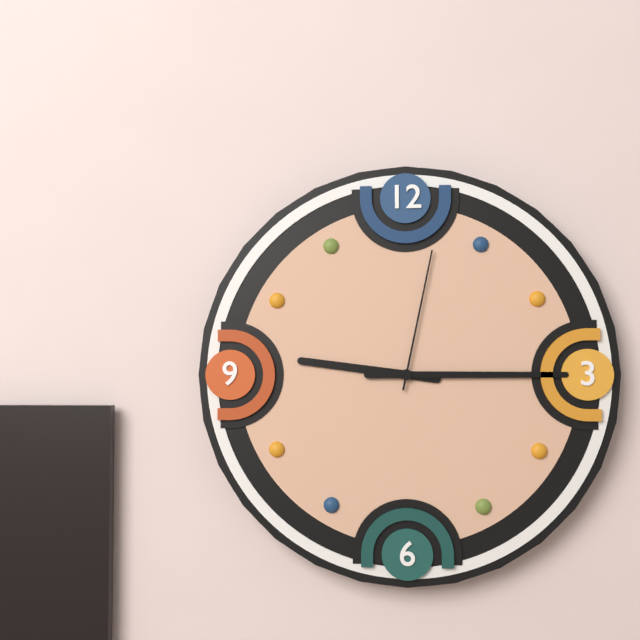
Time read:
9.15.02
